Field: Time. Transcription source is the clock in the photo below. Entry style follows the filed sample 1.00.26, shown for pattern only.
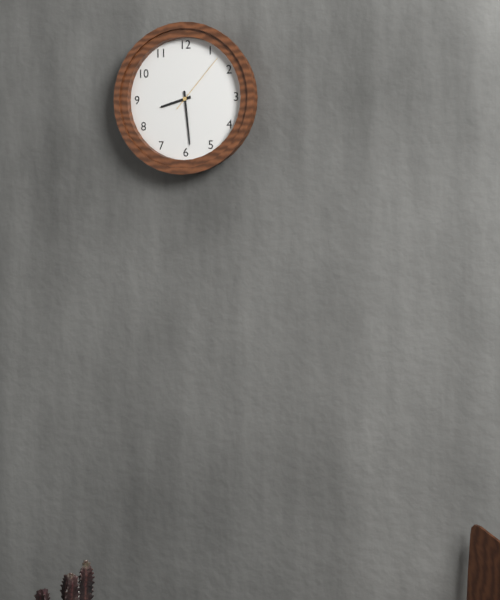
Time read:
8.29.07
